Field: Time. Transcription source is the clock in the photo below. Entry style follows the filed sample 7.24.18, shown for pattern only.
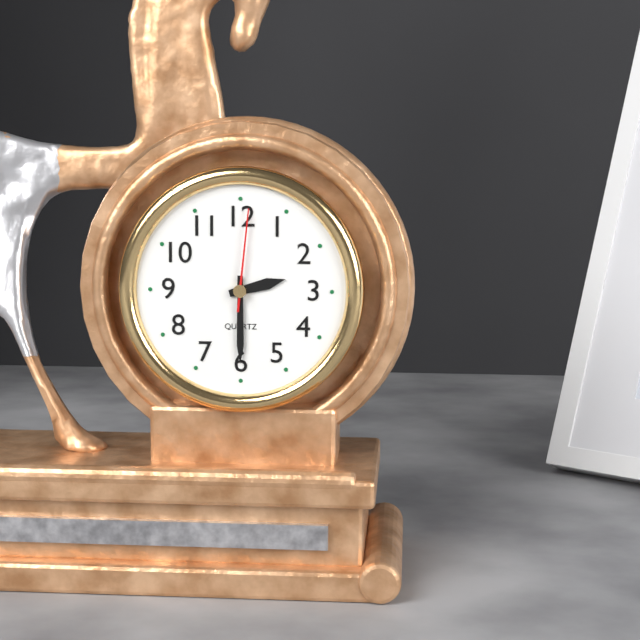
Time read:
2.30.01
